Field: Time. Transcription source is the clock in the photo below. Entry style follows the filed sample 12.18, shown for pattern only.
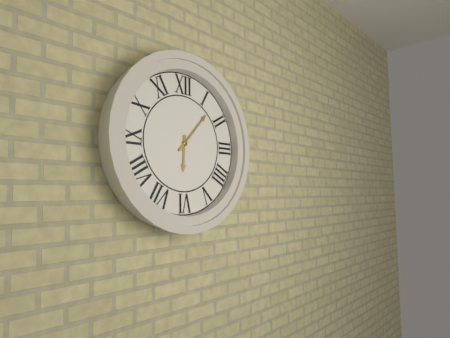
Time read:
6.07
